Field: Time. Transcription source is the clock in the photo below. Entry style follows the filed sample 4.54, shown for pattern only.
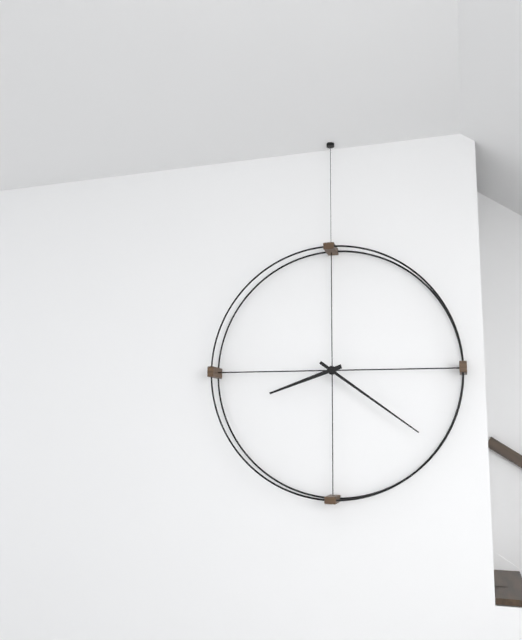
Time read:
8.21
